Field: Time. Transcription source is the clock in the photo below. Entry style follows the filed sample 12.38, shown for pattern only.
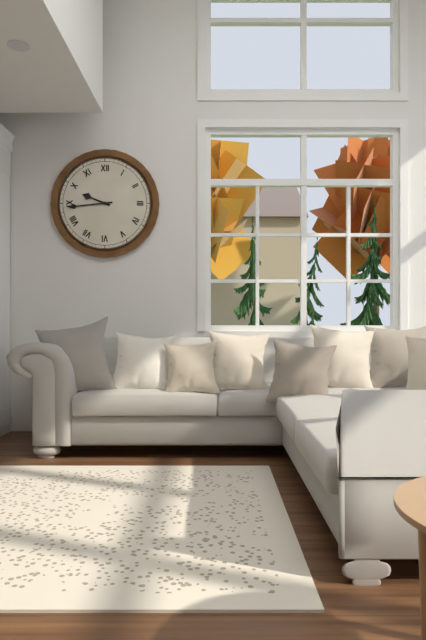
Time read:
9.44
